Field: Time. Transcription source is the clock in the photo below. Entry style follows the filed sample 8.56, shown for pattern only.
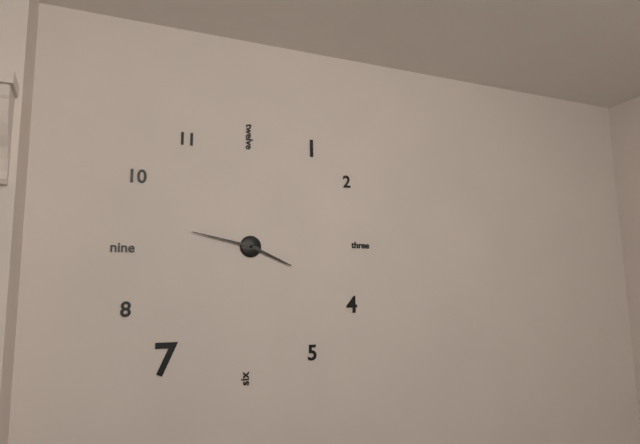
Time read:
3.47
